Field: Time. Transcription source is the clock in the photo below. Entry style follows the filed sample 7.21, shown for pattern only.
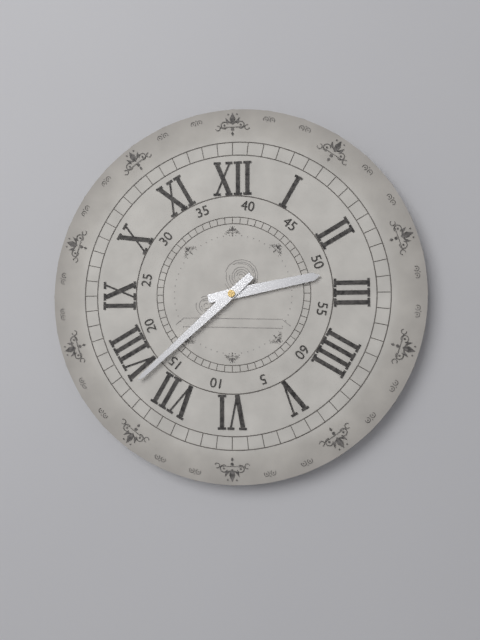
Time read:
2.38
